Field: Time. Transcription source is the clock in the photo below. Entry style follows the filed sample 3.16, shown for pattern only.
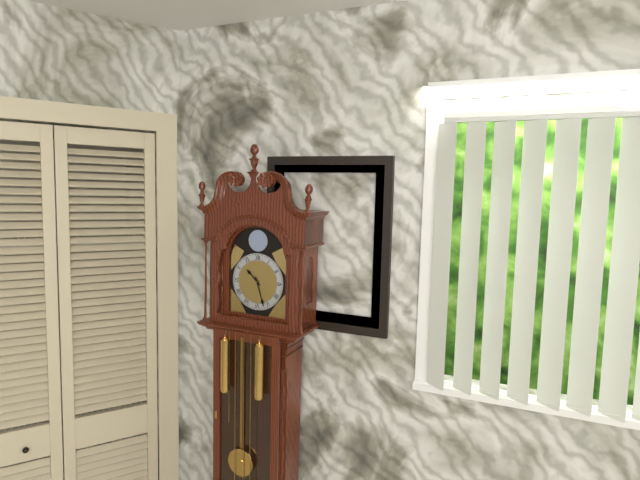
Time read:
10.27
